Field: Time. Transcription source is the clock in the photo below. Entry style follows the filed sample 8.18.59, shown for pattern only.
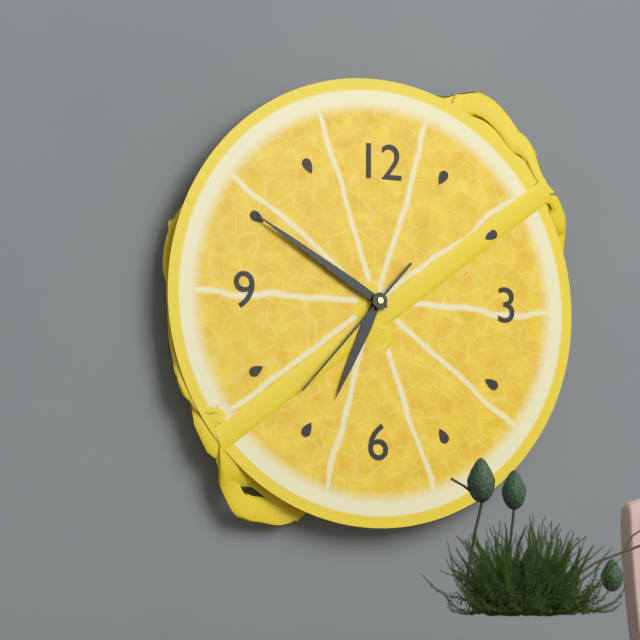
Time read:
6.50.37
